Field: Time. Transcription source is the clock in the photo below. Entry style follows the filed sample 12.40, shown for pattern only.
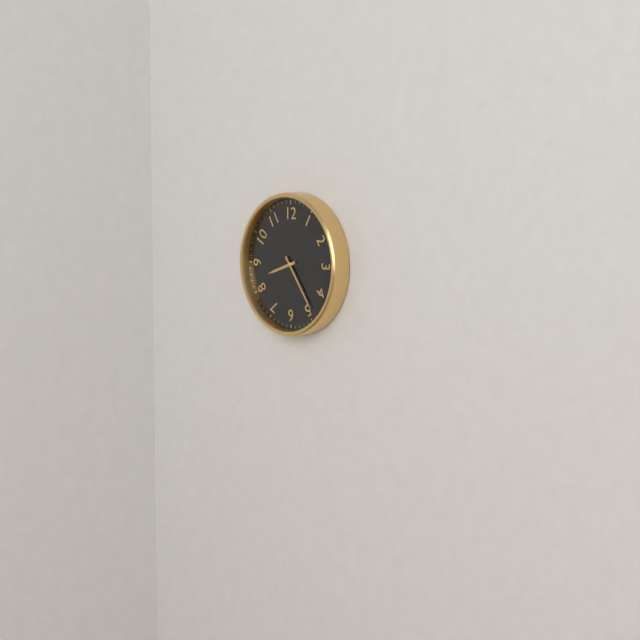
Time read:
8.24
